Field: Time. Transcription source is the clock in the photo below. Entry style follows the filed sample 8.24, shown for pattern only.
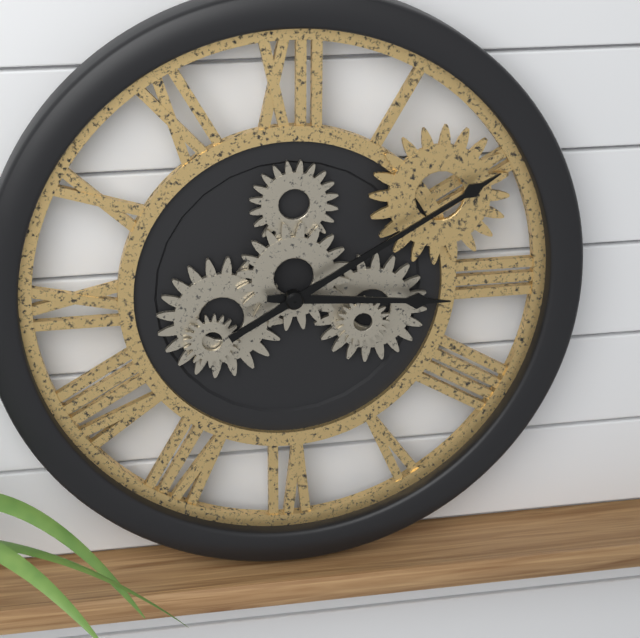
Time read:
3.10
